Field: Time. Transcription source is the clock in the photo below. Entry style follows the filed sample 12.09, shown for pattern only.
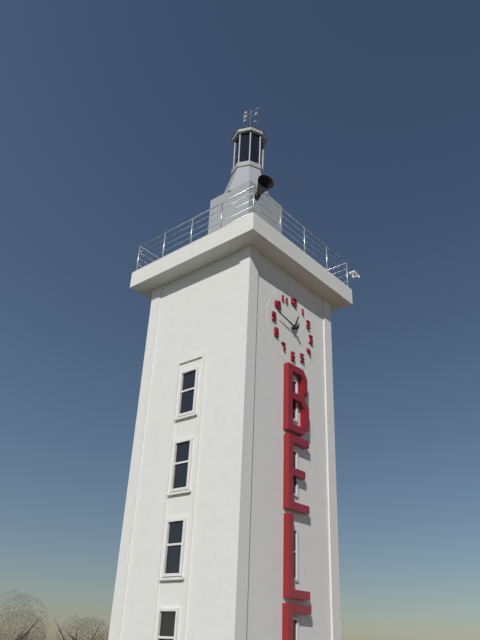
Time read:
12.47
